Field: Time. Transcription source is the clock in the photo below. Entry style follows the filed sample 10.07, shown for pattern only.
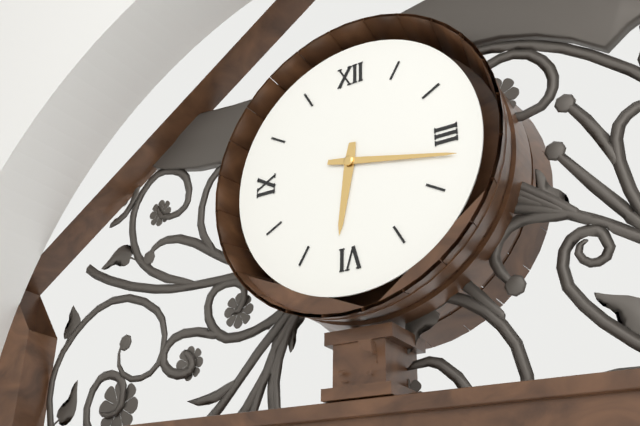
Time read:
6.17
